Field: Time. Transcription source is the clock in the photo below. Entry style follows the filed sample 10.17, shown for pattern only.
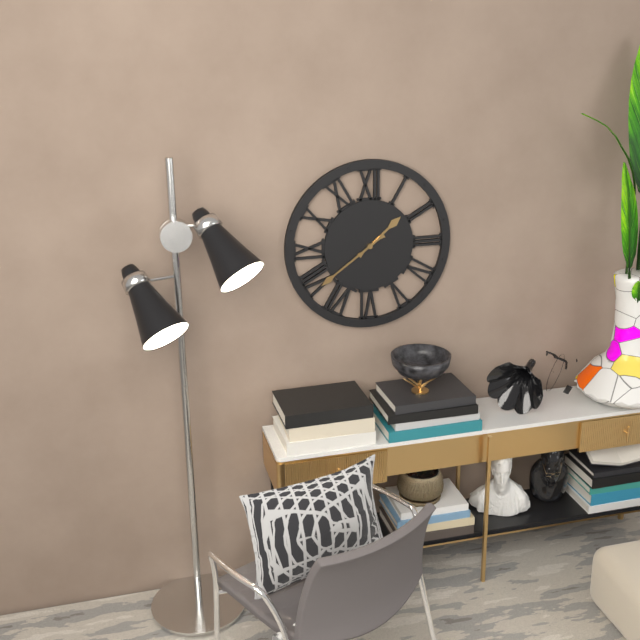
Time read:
1.39
